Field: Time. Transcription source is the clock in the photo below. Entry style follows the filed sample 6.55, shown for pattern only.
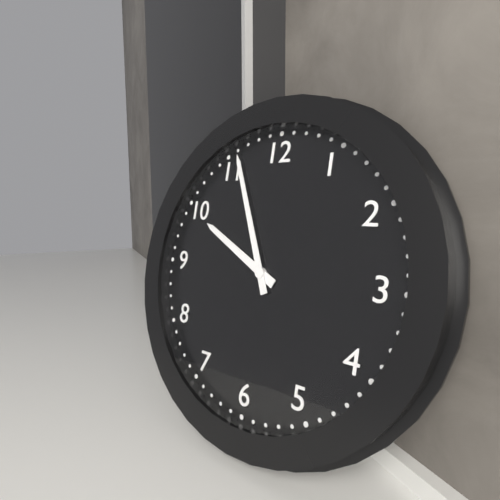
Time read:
9.56
